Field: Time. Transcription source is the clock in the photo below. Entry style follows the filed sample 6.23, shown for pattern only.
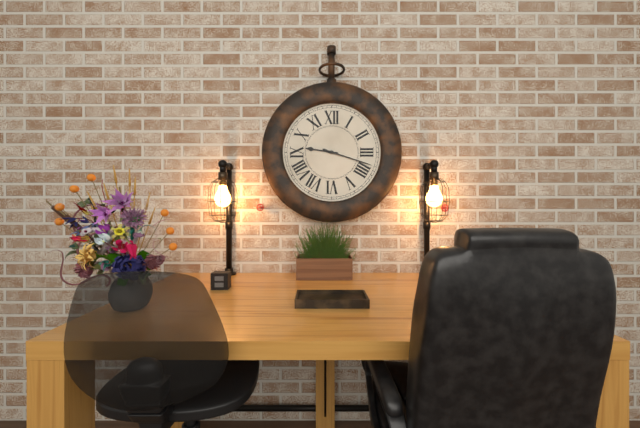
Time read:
9.18
